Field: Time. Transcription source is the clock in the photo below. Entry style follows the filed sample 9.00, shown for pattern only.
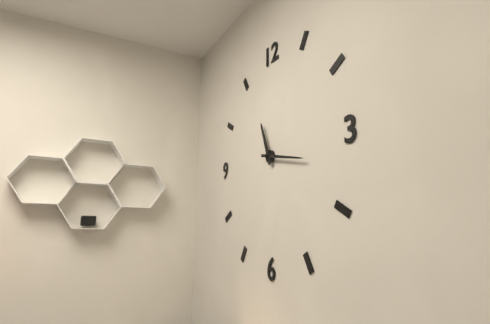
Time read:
11.17
